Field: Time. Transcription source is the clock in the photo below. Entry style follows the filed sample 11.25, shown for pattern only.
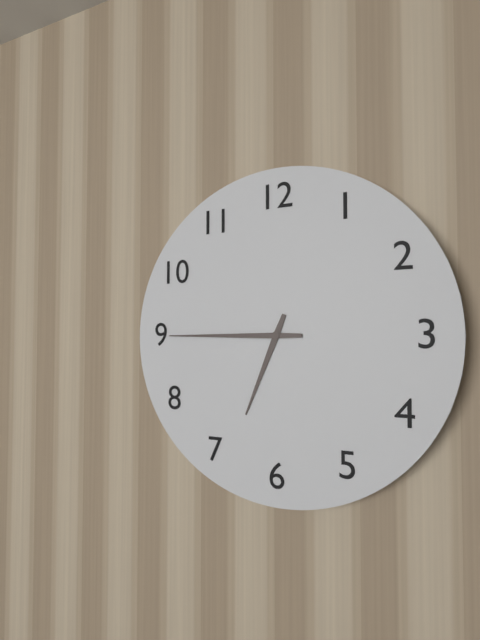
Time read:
6.45
